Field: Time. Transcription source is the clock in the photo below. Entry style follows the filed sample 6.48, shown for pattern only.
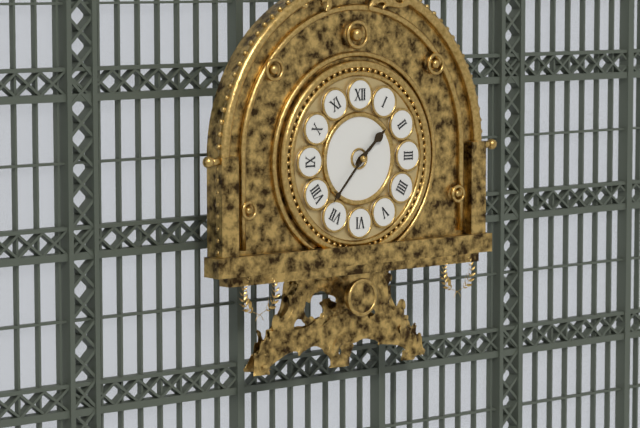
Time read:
1.37
